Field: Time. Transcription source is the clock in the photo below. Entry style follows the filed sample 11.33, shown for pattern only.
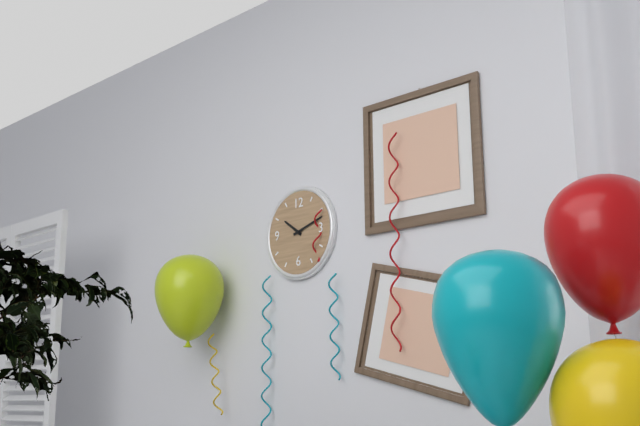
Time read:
10.12
